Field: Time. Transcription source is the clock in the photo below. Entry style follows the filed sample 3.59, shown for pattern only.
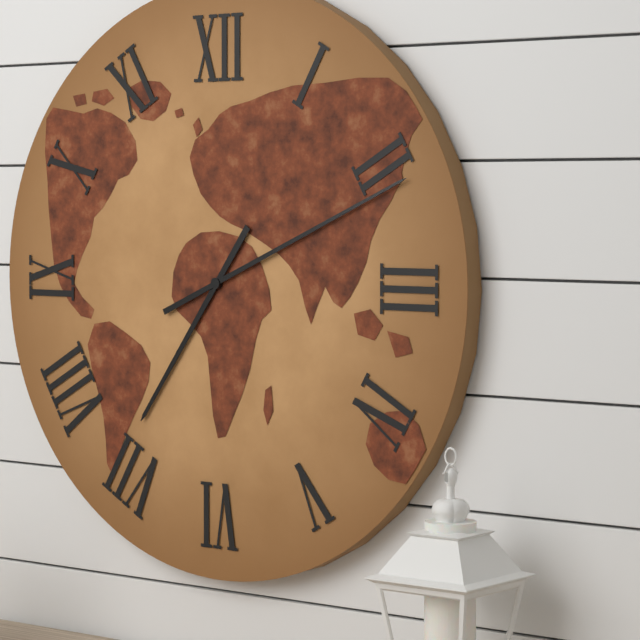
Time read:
7.11
